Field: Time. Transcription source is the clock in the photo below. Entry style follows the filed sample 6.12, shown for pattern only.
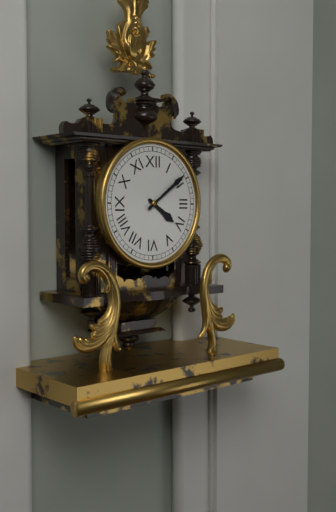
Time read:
4.09
